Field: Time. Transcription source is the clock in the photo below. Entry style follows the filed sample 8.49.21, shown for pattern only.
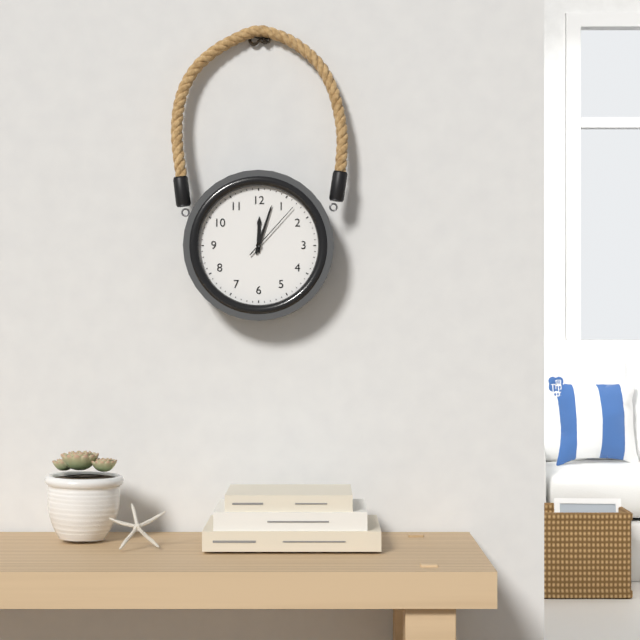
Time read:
12.03.07
